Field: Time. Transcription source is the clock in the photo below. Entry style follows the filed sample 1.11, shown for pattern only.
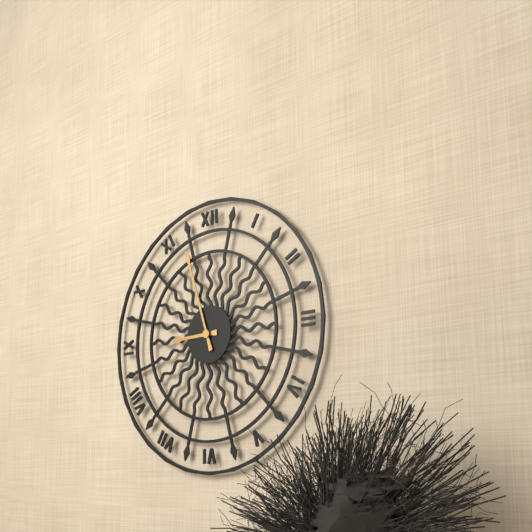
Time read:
8.57
